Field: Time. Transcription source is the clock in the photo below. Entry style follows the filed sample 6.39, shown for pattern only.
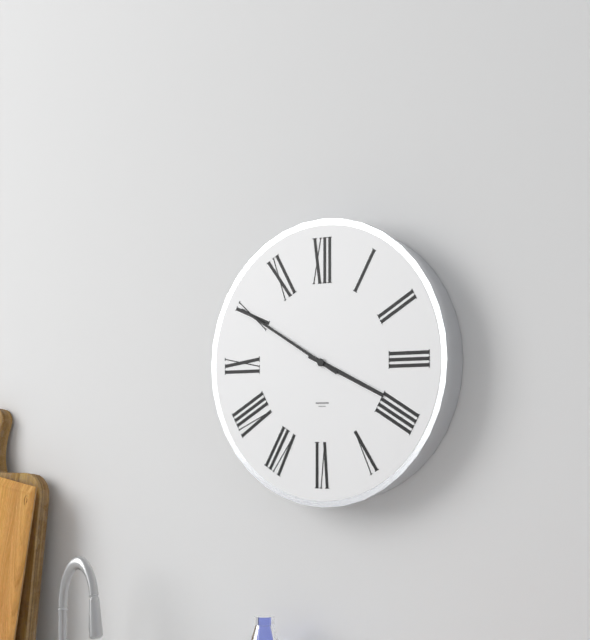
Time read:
3.50
